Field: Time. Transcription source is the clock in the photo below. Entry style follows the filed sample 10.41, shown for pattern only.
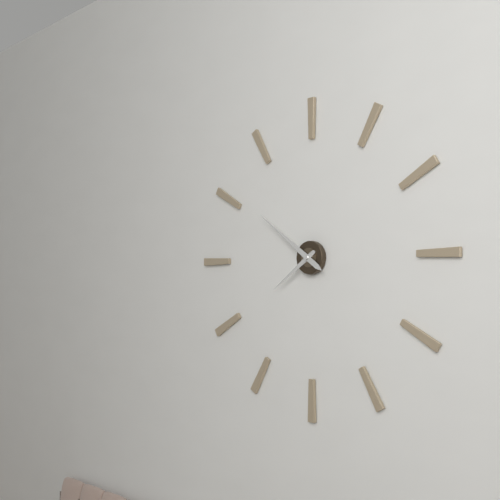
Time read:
7.51
